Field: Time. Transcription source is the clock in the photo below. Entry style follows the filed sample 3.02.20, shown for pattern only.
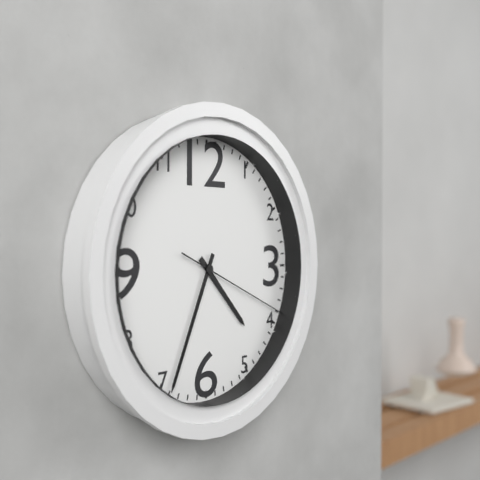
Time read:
4.34.19
